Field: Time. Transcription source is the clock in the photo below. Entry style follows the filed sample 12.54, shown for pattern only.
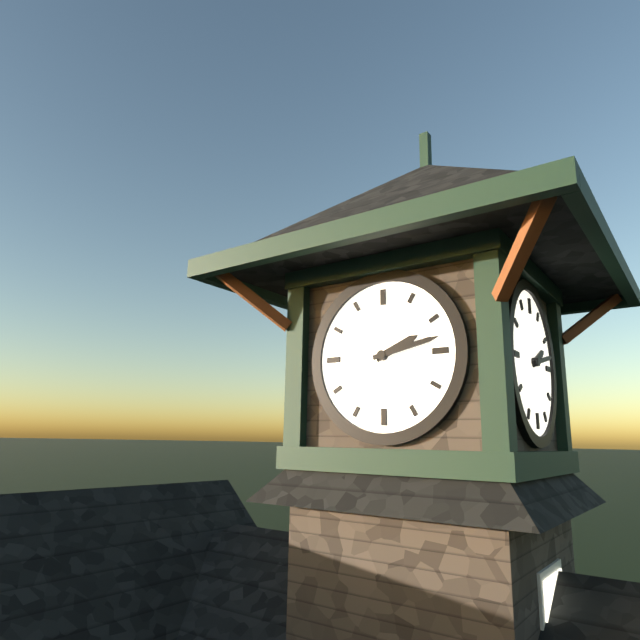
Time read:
2.13
